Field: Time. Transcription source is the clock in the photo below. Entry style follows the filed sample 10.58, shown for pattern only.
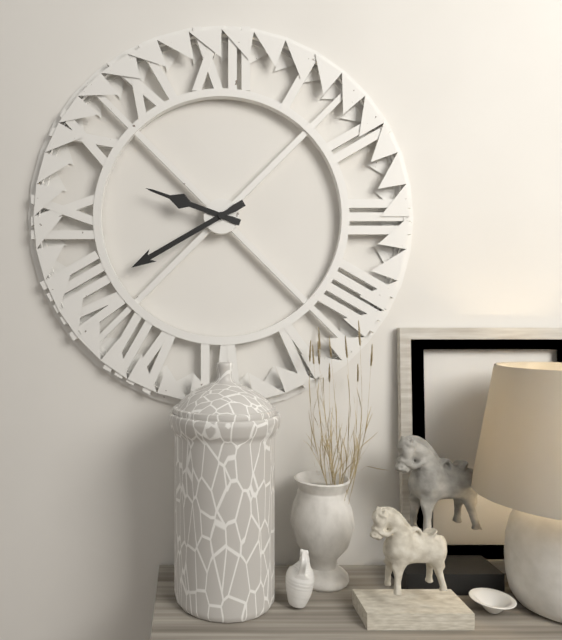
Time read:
9.40
